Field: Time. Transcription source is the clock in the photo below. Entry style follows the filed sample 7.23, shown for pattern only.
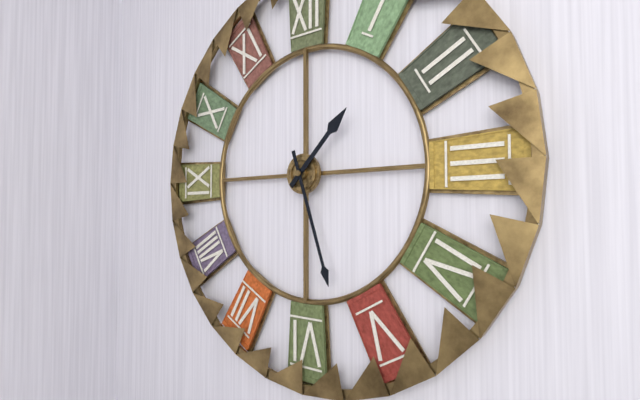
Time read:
1.27
